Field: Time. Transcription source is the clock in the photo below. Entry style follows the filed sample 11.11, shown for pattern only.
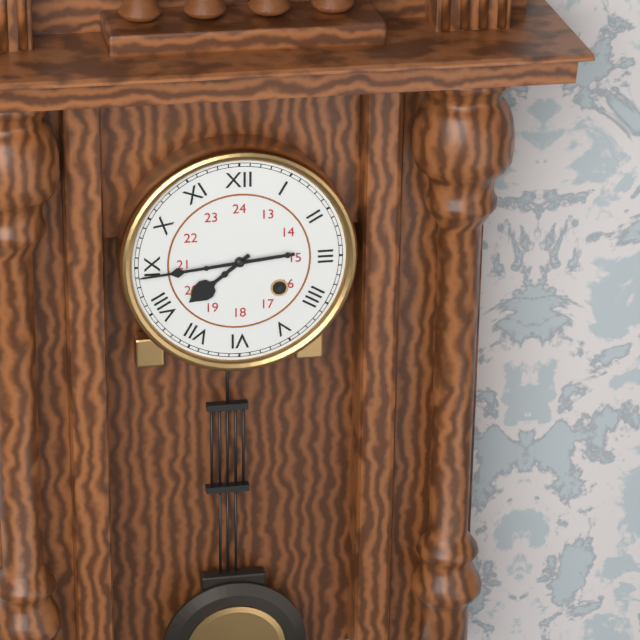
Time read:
7.44
